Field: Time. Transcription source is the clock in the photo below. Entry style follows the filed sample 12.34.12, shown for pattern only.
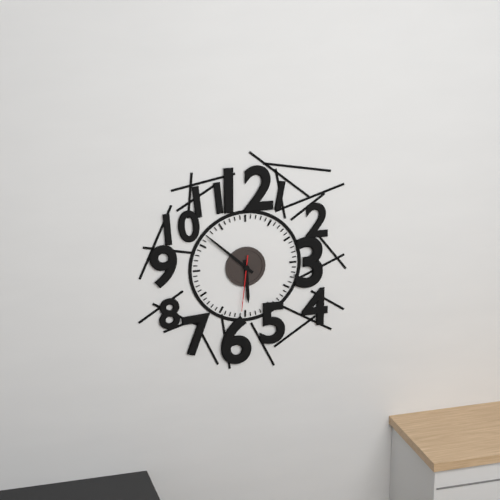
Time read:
5.52.31
